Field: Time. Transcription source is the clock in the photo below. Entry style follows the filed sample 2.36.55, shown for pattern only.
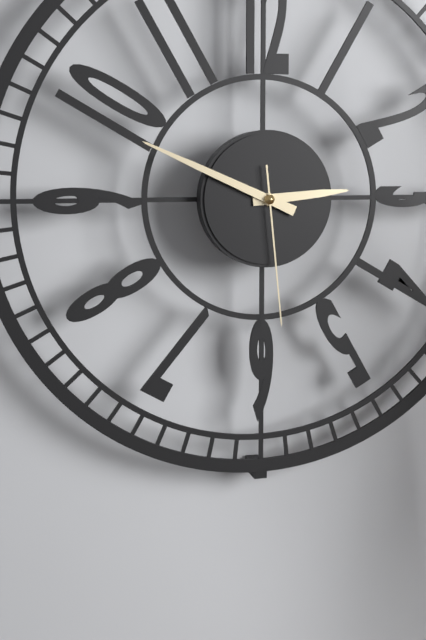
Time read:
2.49.29
